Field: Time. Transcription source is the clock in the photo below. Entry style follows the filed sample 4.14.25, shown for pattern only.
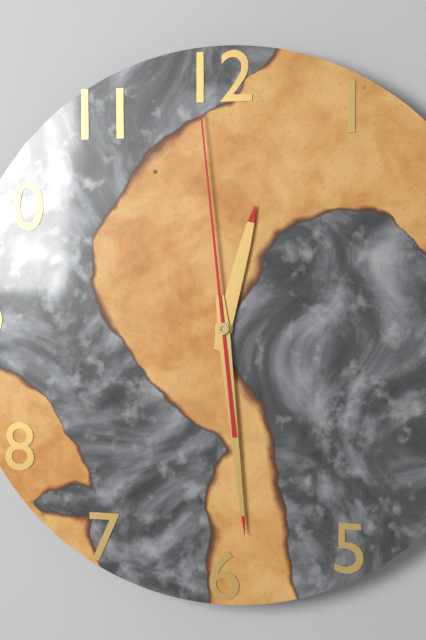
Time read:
12.29.59
